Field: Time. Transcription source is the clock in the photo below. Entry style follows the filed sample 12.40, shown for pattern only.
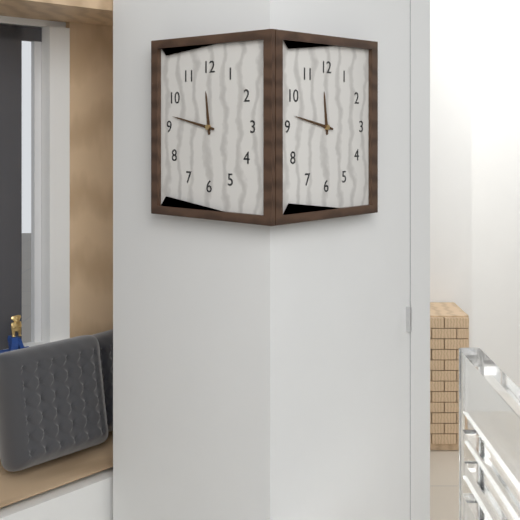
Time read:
11.47
